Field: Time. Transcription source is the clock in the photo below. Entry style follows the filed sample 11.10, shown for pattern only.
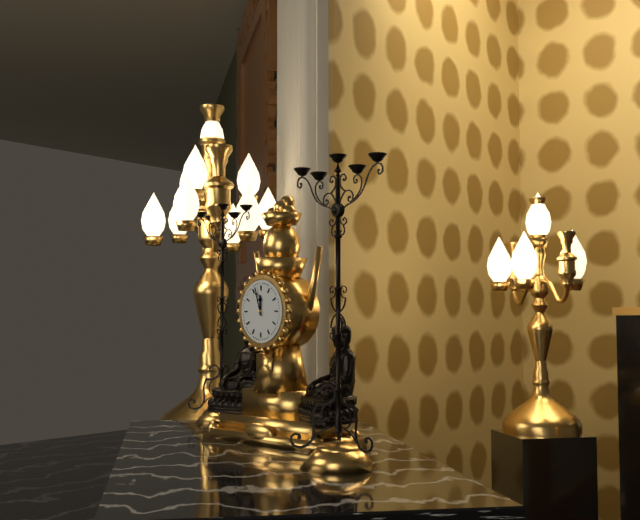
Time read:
11.57
